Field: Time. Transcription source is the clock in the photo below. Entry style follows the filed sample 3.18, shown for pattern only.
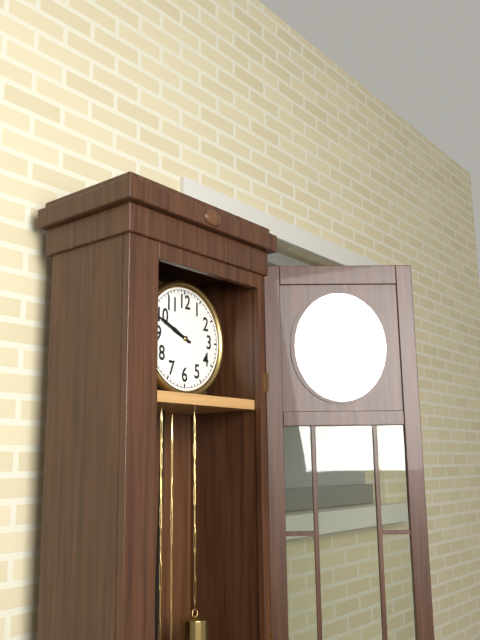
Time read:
9.49
